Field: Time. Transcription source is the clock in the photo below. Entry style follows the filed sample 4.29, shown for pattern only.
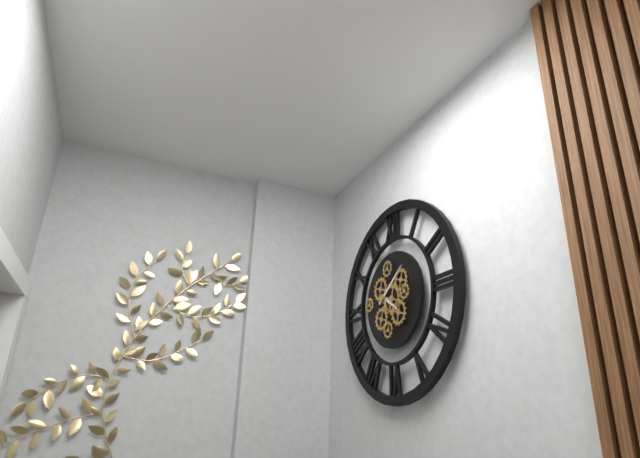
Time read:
4.09
